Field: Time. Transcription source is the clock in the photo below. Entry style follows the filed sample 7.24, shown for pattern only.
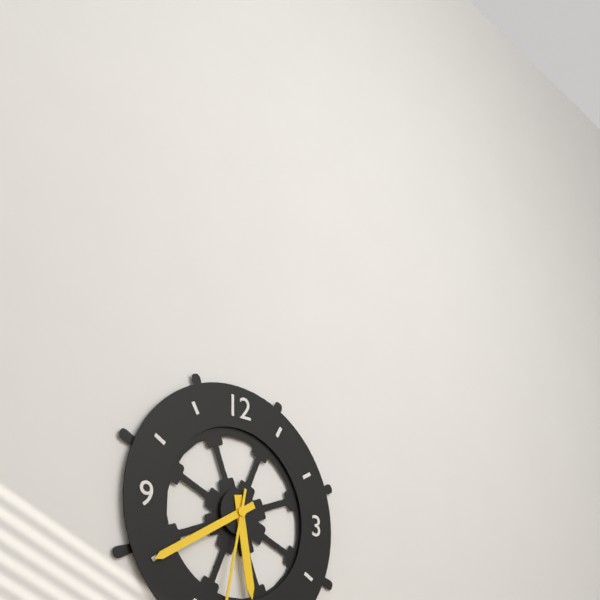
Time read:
5.40
